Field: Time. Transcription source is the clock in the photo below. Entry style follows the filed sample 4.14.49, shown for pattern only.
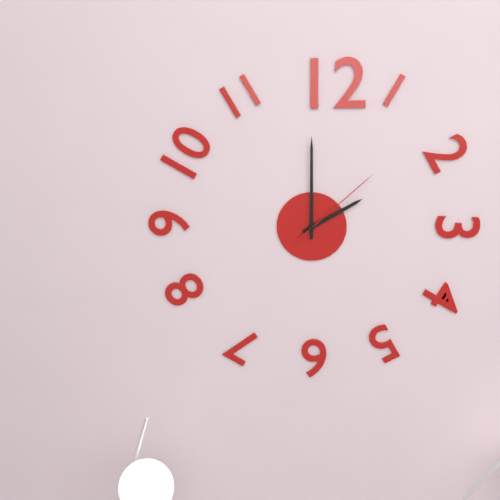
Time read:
2.00.08
